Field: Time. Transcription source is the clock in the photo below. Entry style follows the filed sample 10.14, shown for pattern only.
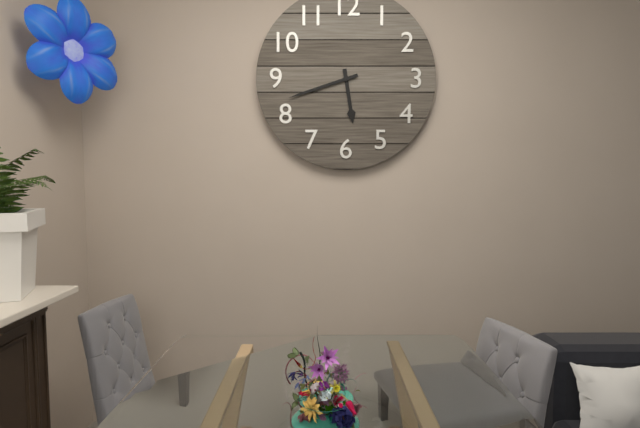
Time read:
5.42
